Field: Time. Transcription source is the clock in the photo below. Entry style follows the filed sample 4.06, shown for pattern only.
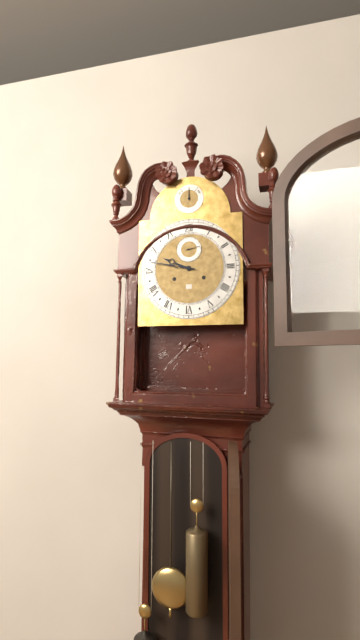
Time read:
9.47
